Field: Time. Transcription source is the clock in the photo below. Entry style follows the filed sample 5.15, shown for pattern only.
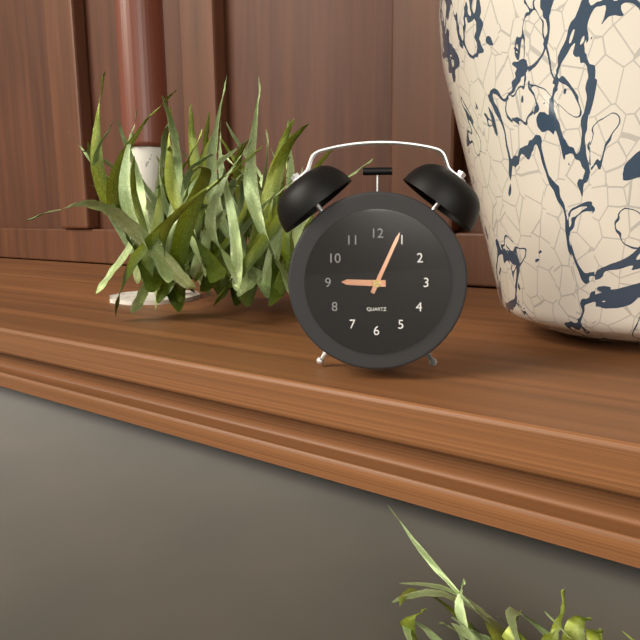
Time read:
9.04
